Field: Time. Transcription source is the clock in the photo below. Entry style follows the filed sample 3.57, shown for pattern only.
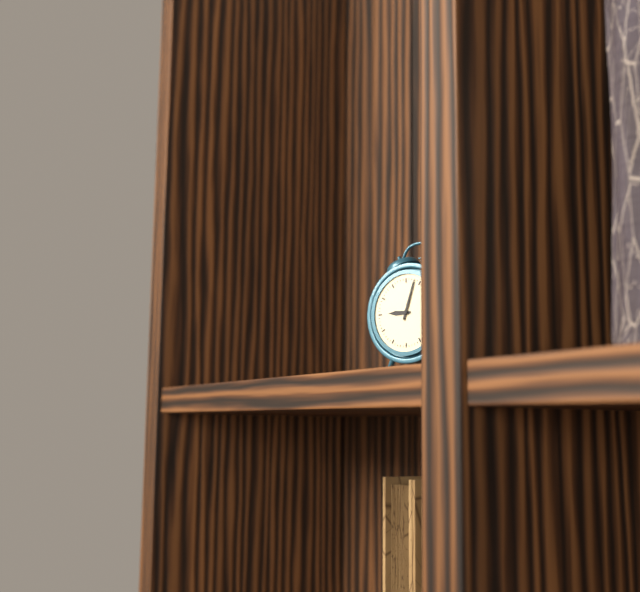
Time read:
9.03
